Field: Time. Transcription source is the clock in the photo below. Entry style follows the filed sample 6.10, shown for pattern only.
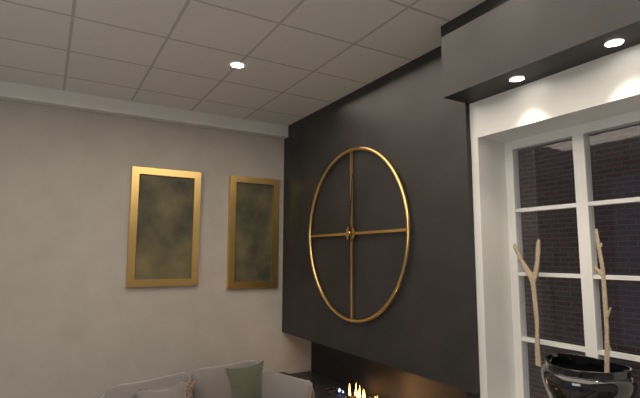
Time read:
6.01
